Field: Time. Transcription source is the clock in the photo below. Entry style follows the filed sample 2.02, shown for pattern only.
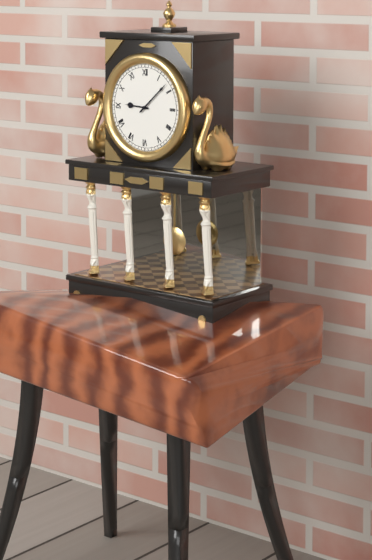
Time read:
9.08
